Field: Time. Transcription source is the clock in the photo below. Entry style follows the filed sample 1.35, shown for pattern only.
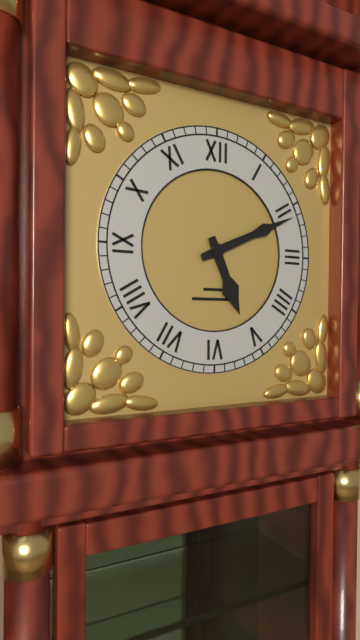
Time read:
5.11
